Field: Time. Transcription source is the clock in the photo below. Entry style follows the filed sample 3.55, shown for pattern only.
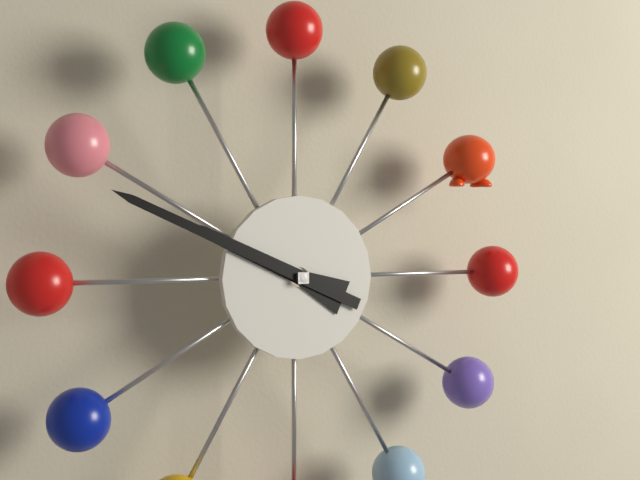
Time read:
9.49
